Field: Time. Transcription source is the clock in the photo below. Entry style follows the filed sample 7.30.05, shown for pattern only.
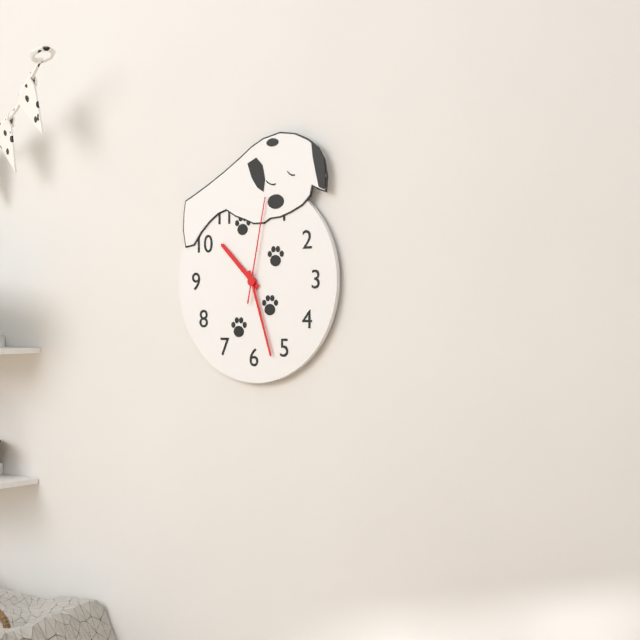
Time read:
10.27.02
